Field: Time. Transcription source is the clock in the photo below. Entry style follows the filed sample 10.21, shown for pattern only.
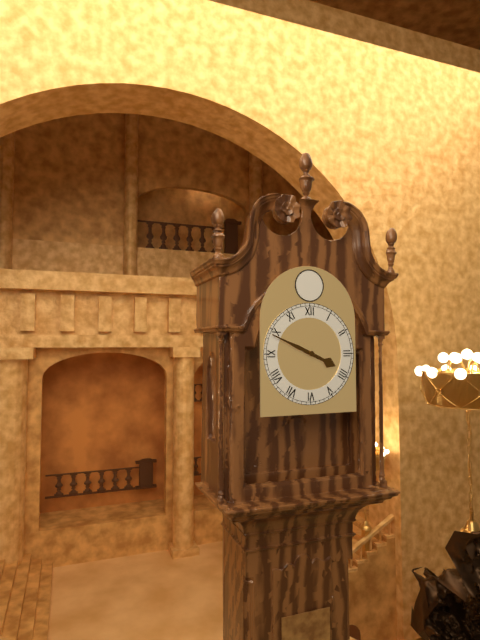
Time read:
3.49
